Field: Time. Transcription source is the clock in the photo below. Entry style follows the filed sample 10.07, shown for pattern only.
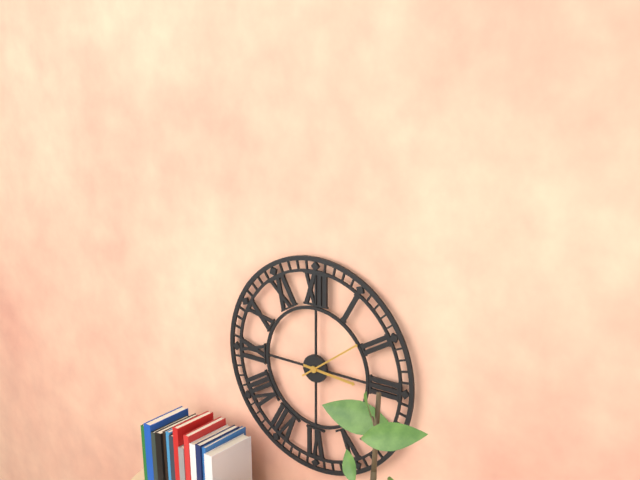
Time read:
3.09
